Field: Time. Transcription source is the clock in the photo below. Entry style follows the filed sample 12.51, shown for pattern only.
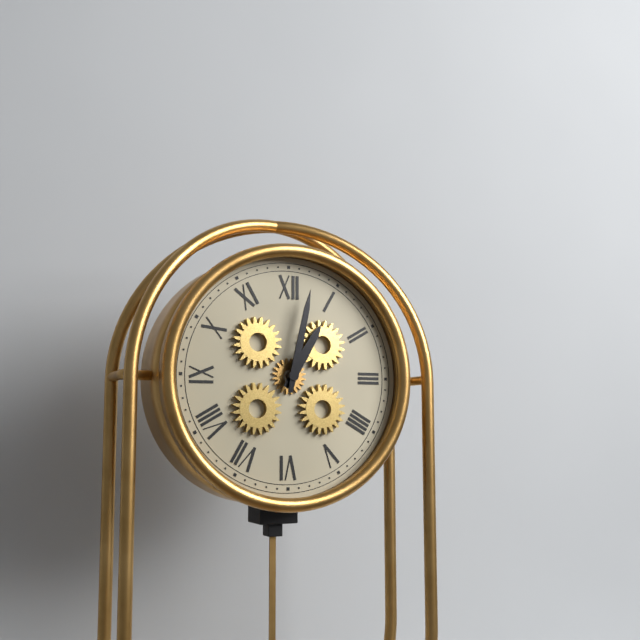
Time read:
1.02
